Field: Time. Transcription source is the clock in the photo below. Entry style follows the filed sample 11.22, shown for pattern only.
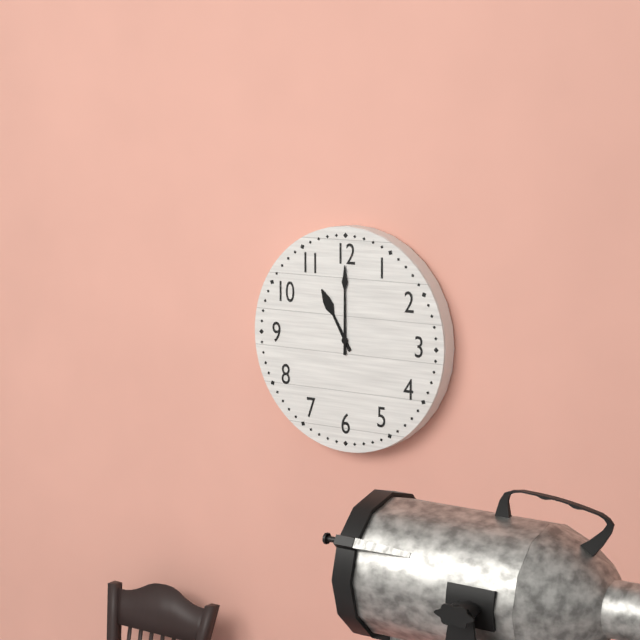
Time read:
11.00
